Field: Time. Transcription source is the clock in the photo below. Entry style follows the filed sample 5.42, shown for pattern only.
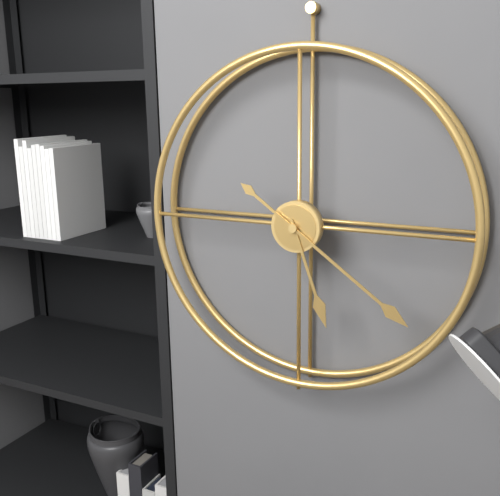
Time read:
5.21
